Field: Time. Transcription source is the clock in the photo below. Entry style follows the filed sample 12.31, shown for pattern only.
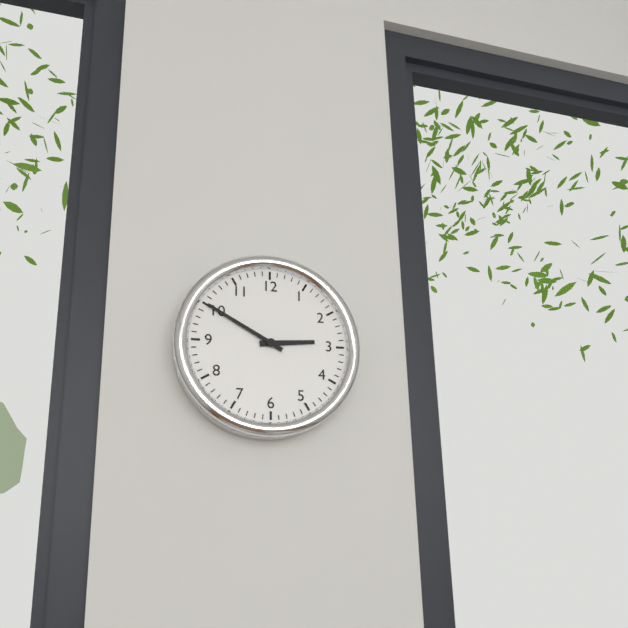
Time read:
2.50
